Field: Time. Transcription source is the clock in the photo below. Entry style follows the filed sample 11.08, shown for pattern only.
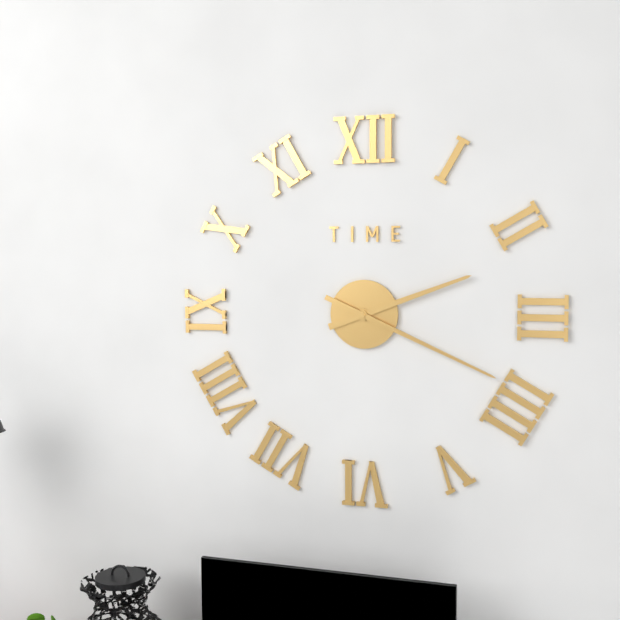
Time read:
2.19
